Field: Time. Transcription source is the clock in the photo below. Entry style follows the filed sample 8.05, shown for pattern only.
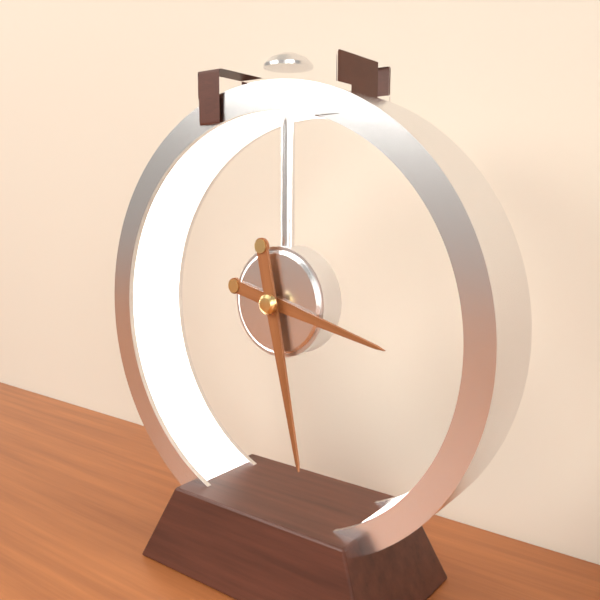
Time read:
3.28
